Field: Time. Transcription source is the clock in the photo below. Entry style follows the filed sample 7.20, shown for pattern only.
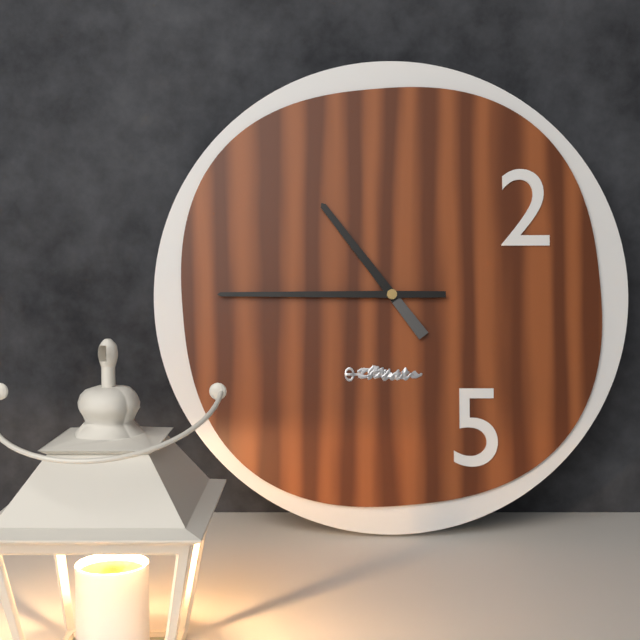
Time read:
10.45
